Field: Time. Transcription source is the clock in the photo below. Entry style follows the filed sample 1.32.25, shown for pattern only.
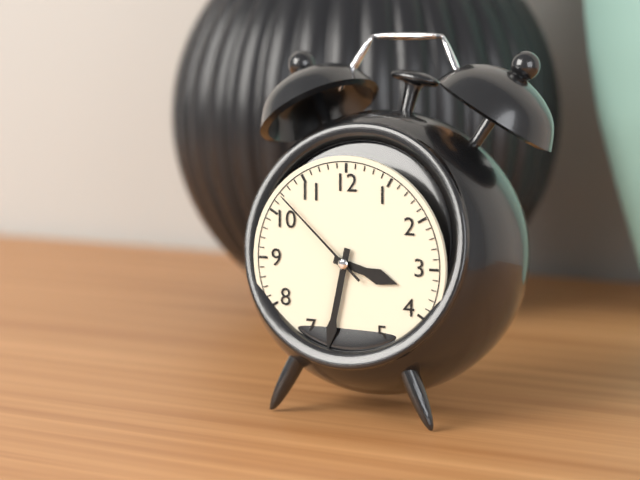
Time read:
3.32.52
